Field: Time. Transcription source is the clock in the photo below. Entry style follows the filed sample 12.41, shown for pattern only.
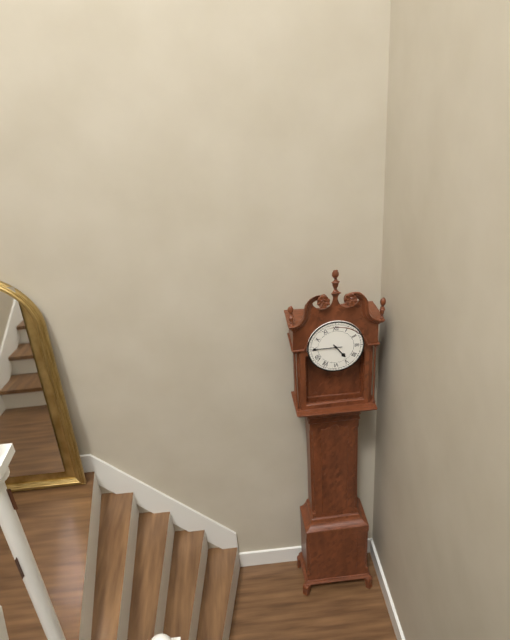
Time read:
4.45
